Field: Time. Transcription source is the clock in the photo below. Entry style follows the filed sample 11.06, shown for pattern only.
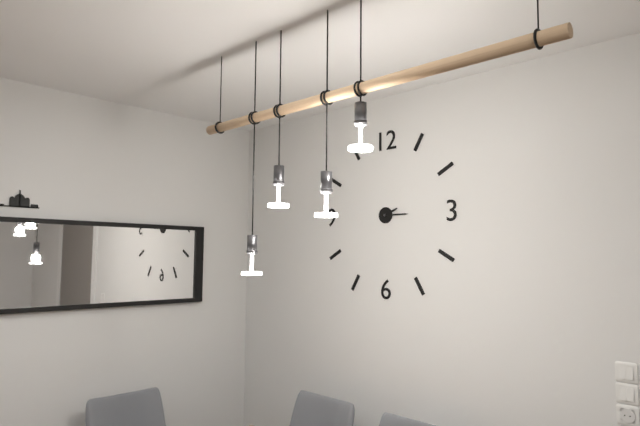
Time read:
2.15
